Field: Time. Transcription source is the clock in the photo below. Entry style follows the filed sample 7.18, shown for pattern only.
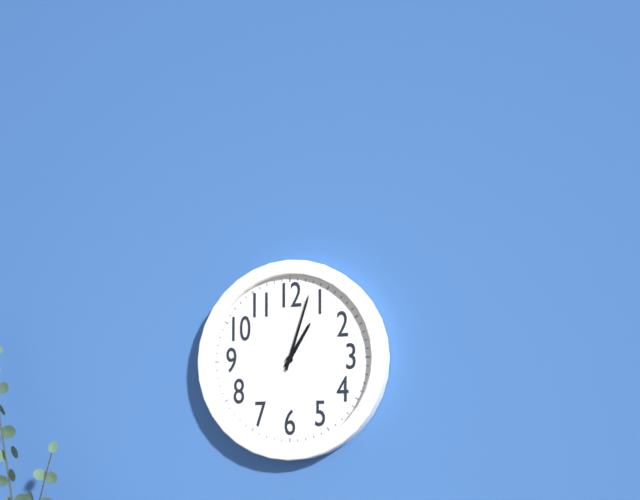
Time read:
1.03
